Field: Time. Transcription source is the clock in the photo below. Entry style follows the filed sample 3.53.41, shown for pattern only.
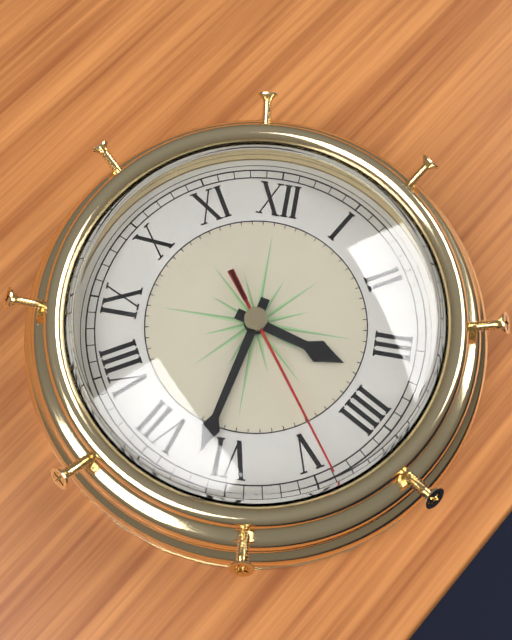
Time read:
3.32.24
